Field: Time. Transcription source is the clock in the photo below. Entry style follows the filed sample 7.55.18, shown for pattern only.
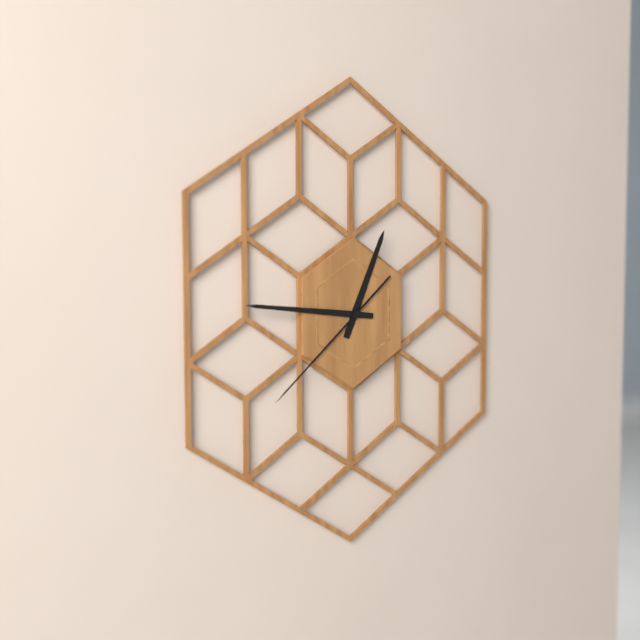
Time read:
12.46.38
